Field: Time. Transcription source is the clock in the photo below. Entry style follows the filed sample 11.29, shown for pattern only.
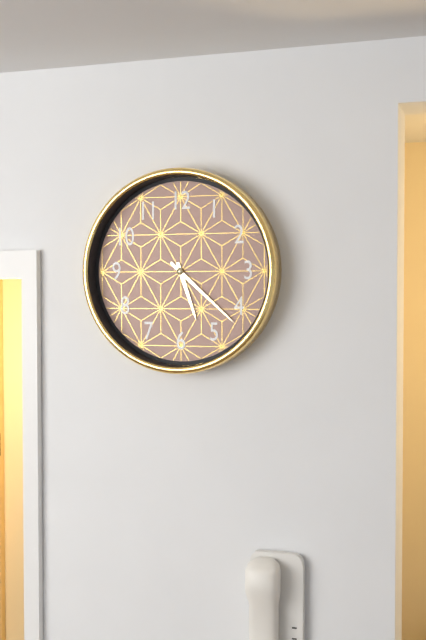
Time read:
5.22
